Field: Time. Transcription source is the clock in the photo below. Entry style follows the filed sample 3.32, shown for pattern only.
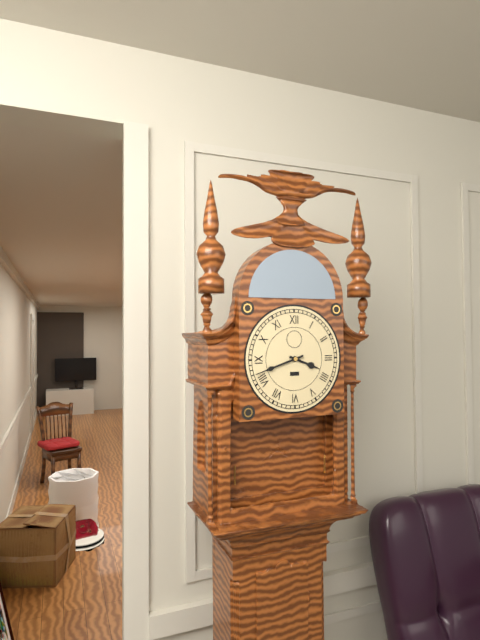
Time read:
3.42
